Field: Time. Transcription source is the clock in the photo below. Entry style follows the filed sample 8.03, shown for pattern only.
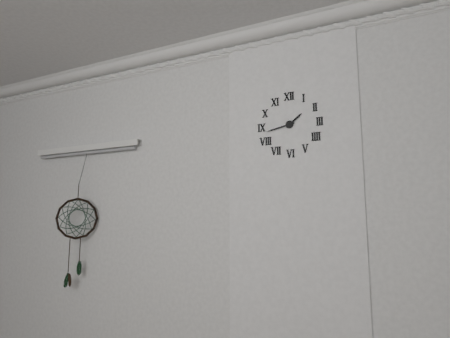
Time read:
1.43
